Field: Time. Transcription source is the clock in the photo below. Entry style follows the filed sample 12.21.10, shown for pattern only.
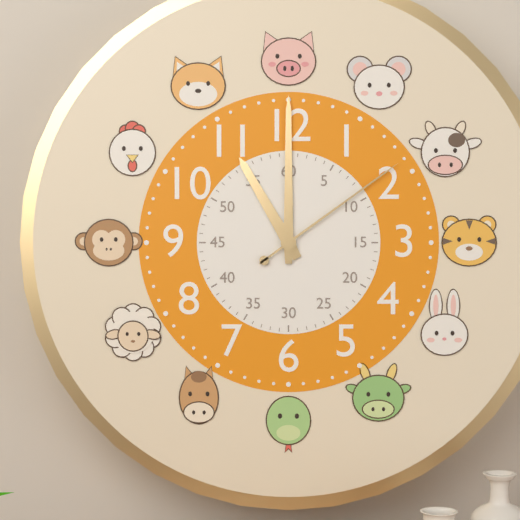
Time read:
11.00.09
